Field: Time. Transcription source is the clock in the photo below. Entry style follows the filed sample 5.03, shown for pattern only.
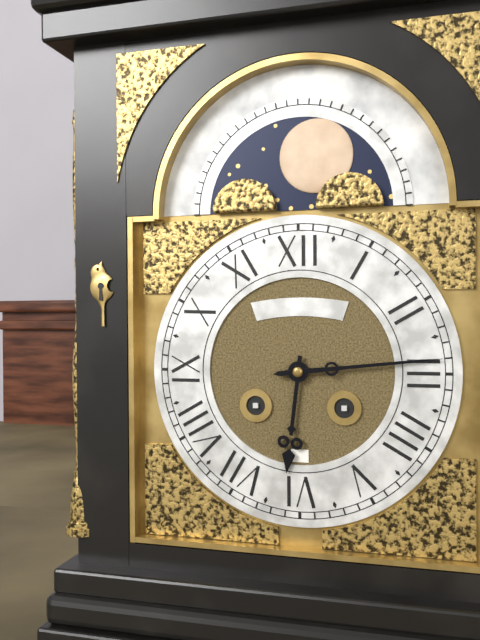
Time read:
6.14
